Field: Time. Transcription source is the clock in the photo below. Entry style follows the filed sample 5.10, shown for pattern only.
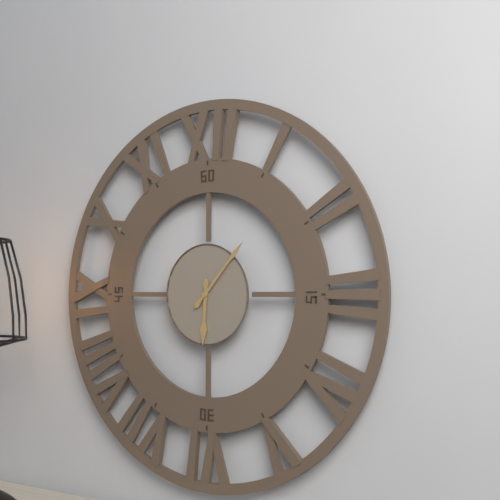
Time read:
6.07
